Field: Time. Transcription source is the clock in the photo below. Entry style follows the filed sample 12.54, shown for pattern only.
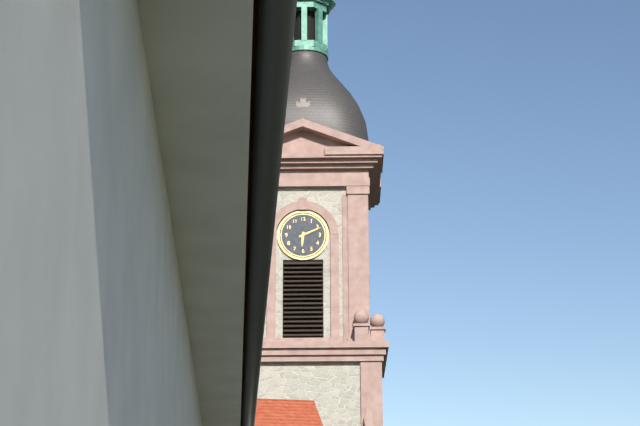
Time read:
6.11
